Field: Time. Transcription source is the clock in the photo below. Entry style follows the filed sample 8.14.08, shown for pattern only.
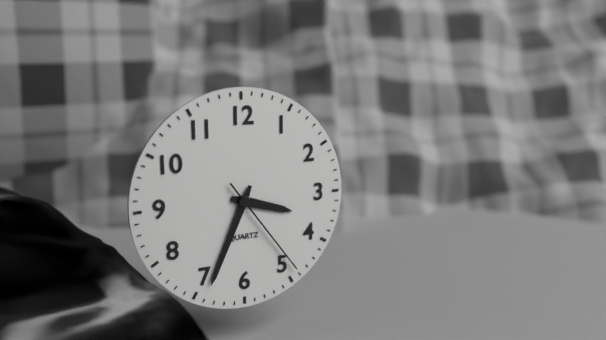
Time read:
3.34.24
